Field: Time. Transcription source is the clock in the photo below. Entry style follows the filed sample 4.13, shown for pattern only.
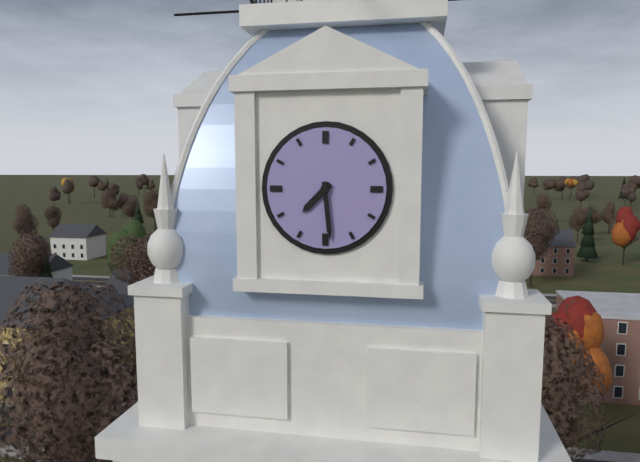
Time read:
7.29
